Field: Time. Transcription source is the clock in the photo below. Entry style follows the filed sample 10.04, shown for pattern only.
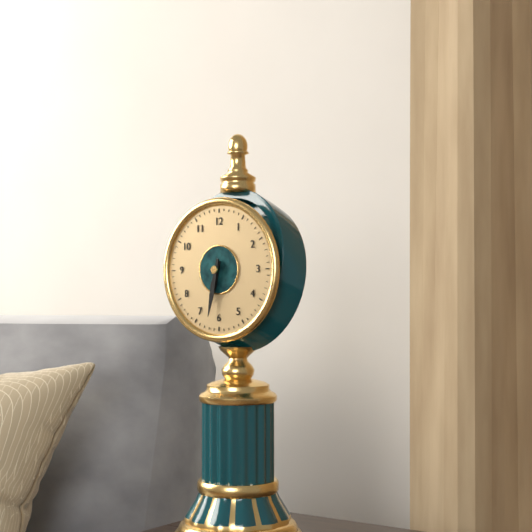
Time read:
6.32
